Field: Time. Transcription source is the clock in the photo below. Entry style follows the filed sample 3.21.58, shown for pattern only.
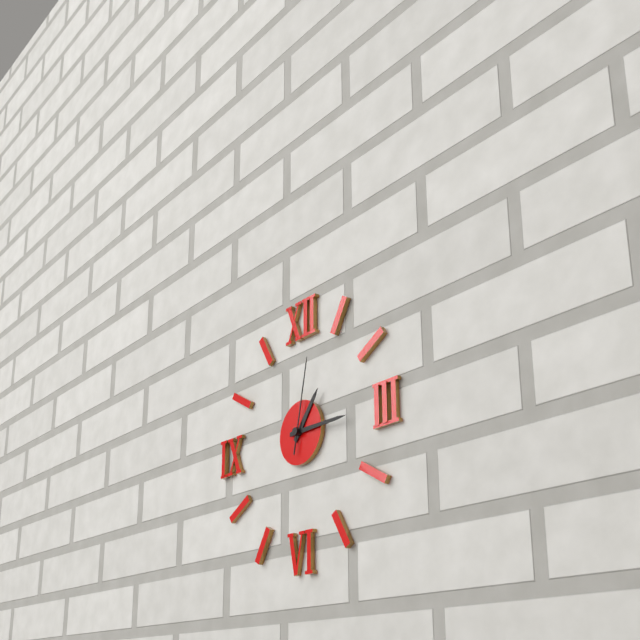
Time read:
1.15.02
